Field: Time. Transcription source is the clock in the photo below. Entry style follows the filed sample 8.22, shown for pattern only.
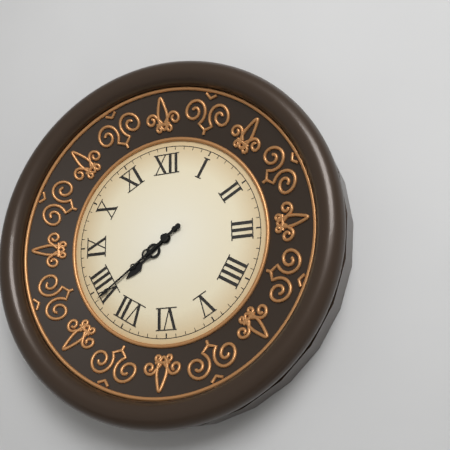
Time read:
7.39
